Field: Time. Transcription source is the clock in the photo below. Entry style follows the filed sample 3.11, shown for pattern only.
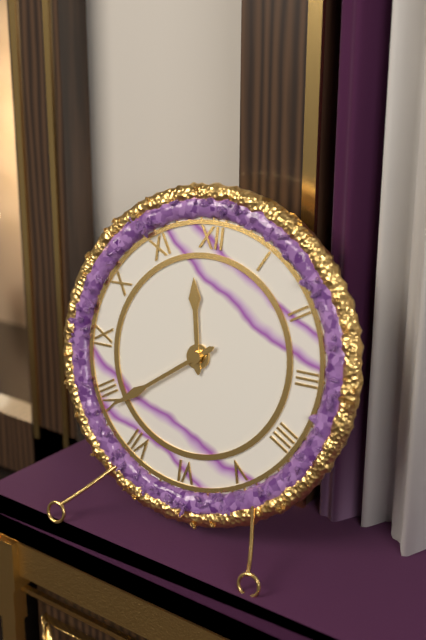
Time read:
11.39
